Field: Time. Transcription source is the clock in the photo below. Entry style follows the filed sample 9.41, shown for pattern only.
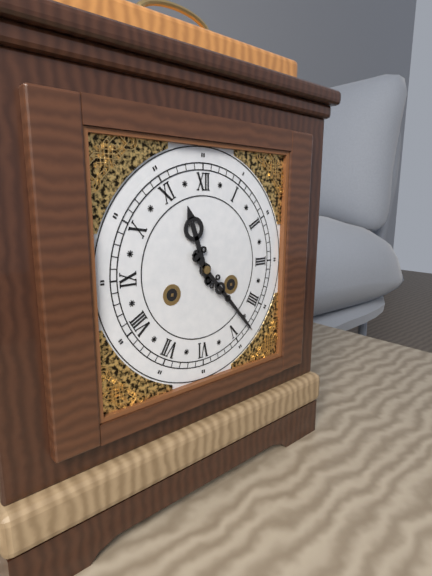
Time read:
11.23
